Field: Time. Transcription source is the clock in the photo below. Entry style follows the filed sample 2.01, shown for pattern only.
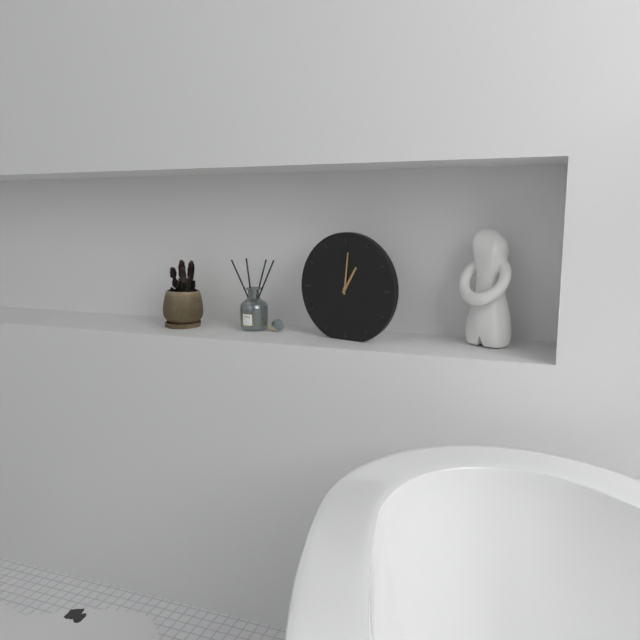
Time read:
1.01
